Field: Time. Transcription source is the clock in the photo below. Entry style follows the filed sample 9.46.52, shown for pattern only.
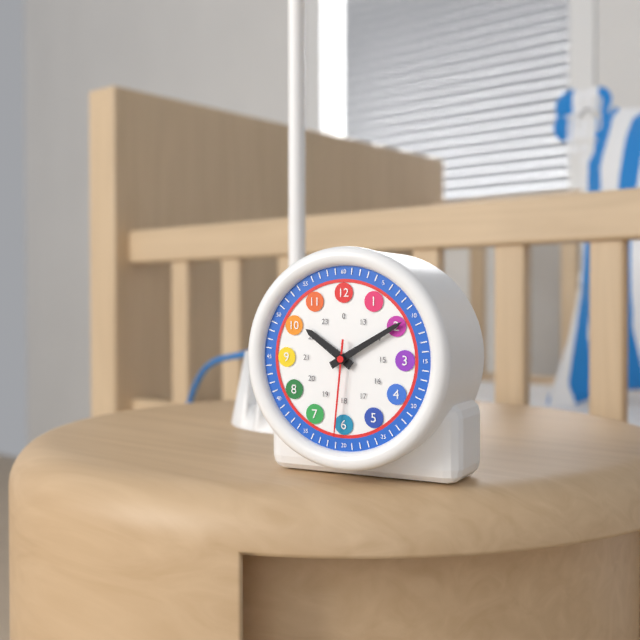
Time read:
10.10.31
